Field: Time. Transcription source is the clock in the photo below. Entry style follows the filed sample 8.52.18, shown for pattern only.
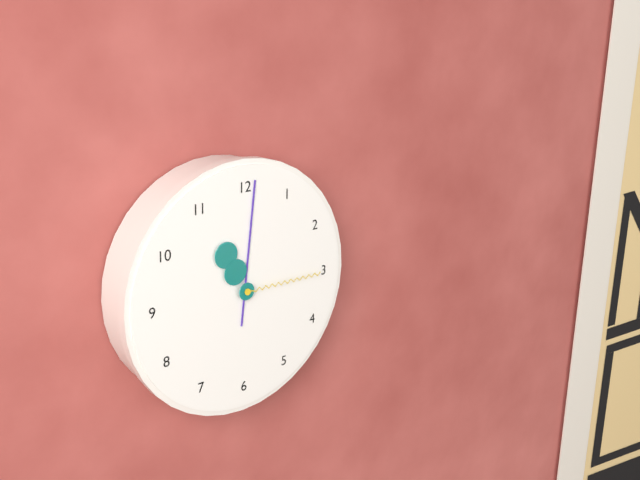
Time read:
11.01.15
